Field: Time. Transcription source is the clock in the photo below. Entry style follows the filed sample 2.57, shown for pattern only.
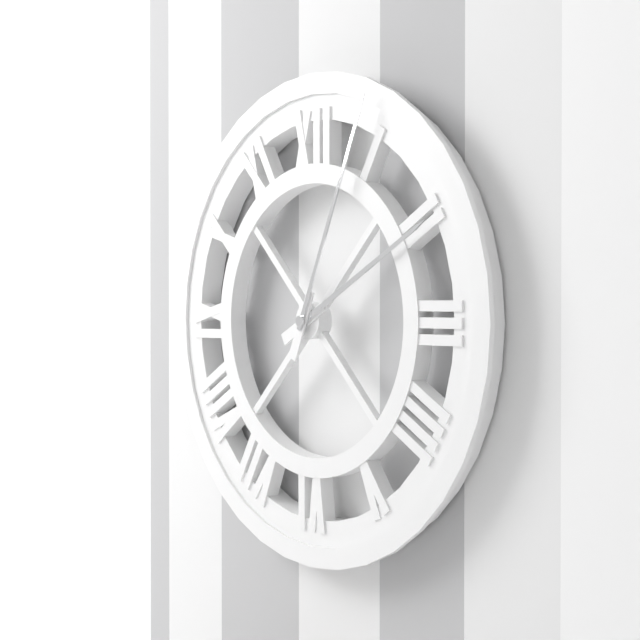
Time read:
2.04
